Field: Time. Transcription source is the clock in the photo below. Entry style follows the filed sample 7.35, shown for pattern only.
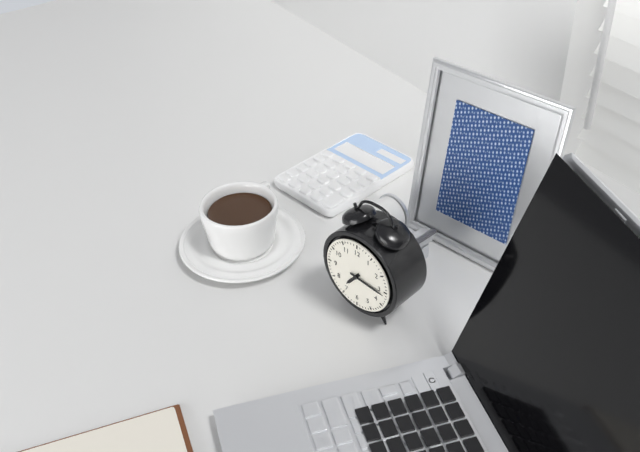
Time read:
7.16
